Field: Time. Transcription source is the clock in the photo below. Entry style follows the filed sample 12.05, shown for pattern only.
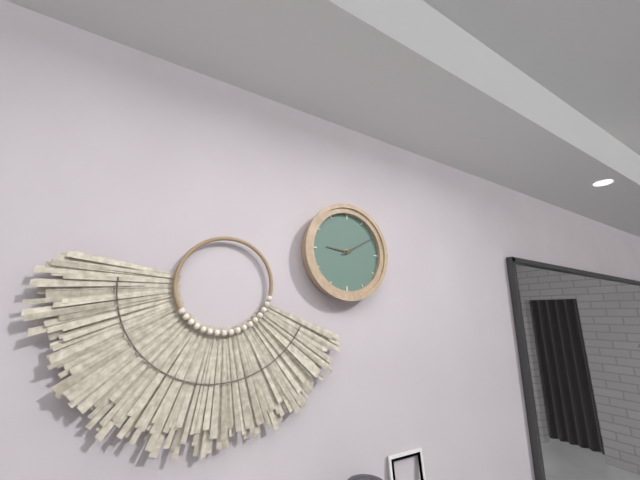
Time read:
9.10
